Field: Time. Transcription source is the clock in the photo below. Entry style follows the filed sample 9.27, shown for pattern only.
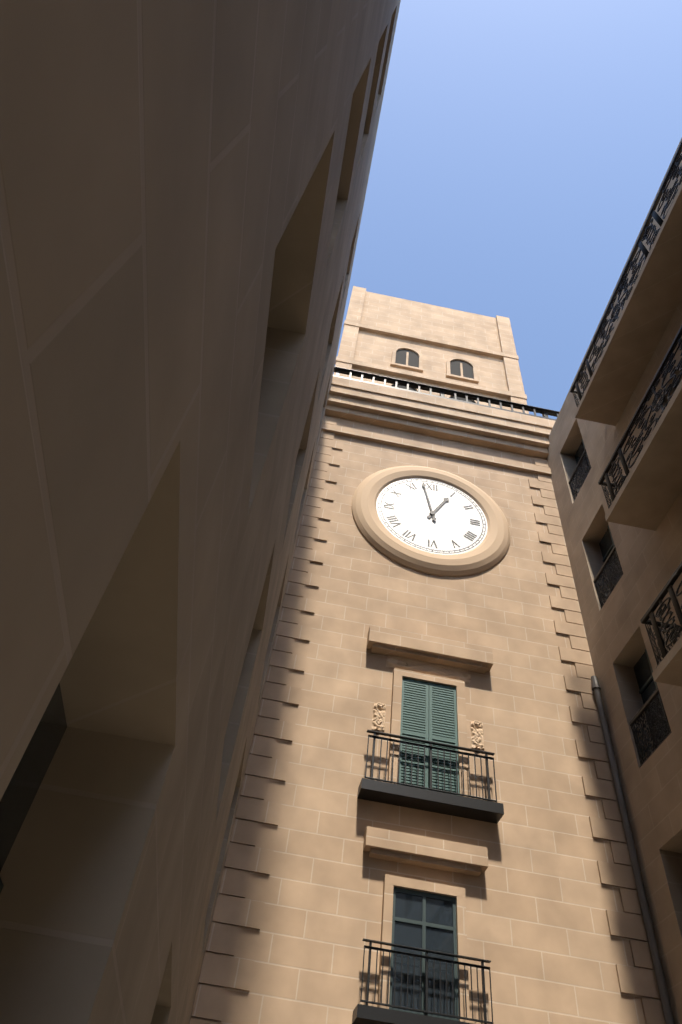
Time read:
12.58
